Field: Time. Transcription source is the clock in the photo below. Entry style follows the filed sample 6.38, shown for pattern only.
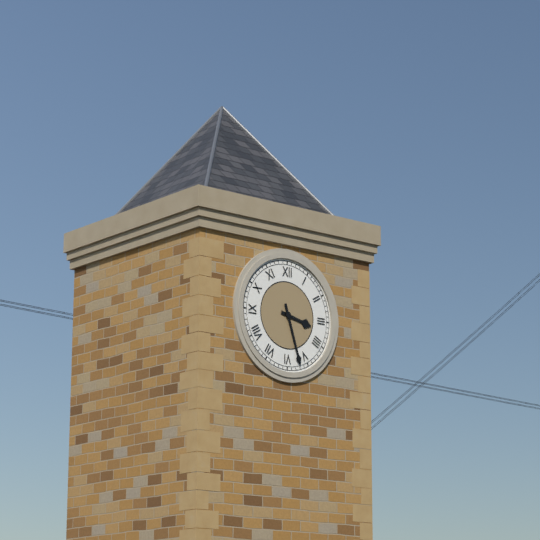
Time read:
3.27
